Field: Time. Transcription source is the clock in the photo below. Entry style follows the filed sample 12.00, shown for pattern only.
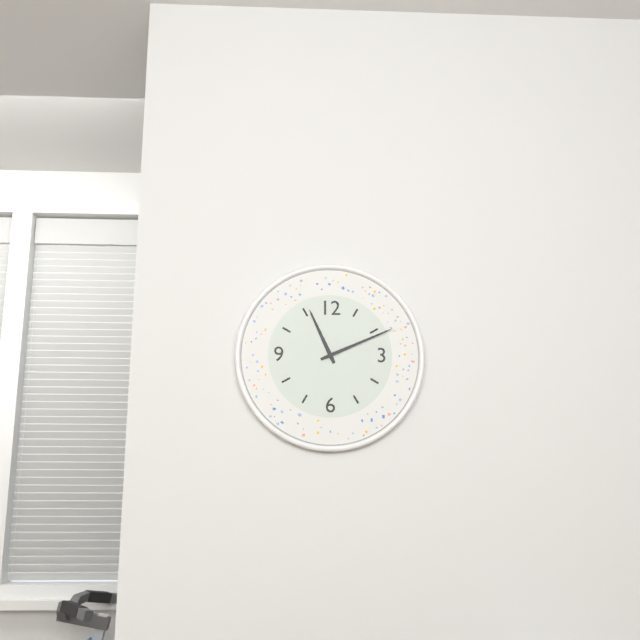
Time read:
11.11
